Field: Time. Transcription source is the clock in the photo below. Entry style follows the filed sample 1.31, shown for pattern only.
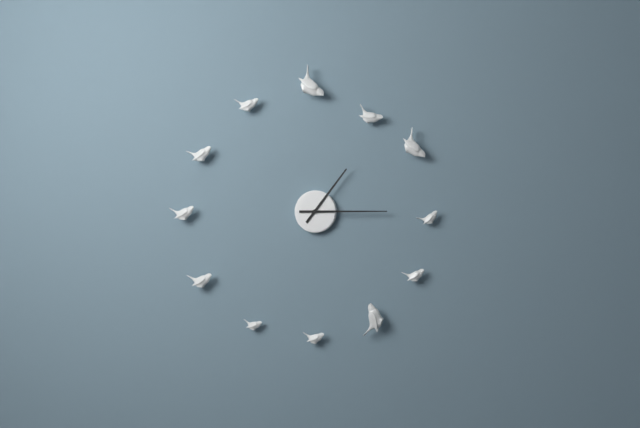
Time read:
1.15
